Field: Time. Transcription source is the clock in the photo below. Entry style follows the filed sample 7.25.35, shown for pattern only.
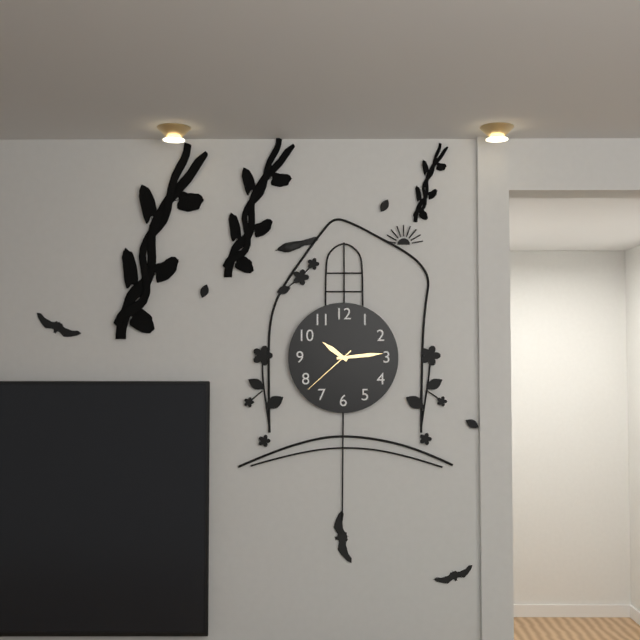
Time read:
10.14.38
